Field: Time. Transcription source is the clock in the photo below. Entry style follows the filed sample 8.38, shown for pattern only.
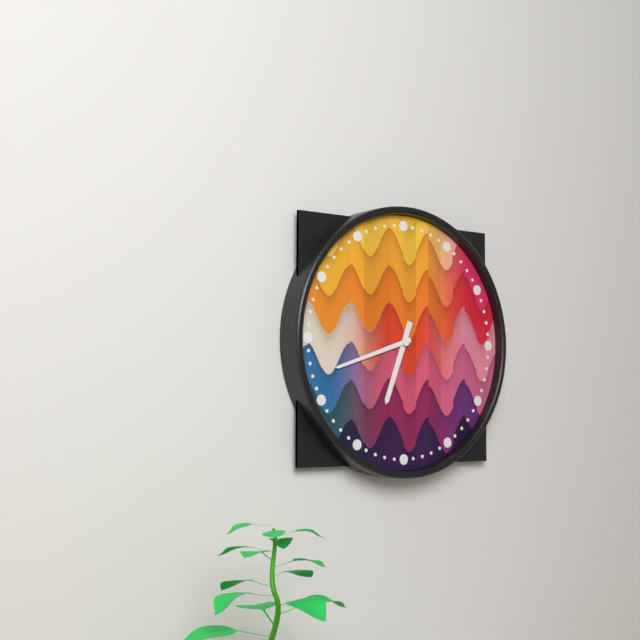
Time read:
6.42
